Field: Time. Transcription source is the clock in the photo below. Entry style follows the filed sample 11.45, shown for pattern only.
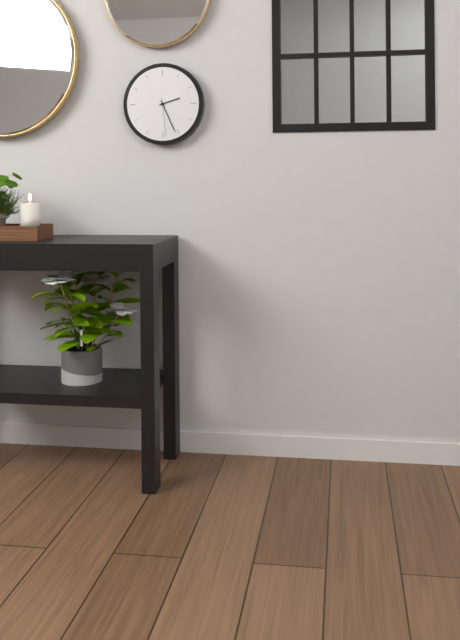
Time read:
2.26
